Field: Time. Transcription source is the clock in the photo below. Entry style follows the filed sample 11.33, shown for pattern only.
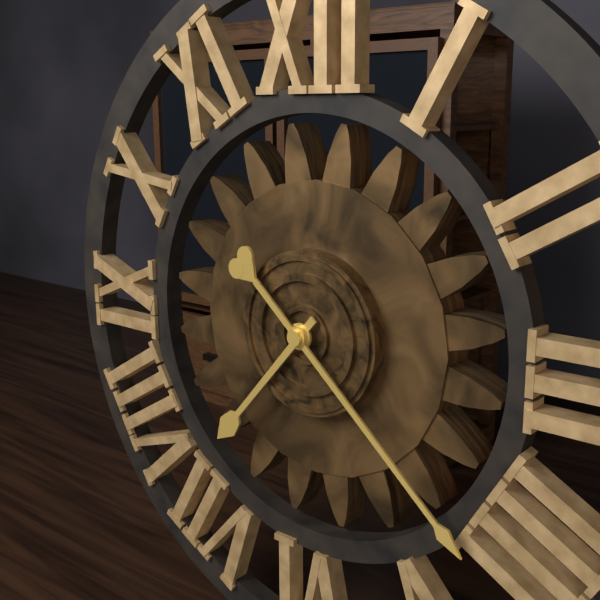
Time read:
7.22
